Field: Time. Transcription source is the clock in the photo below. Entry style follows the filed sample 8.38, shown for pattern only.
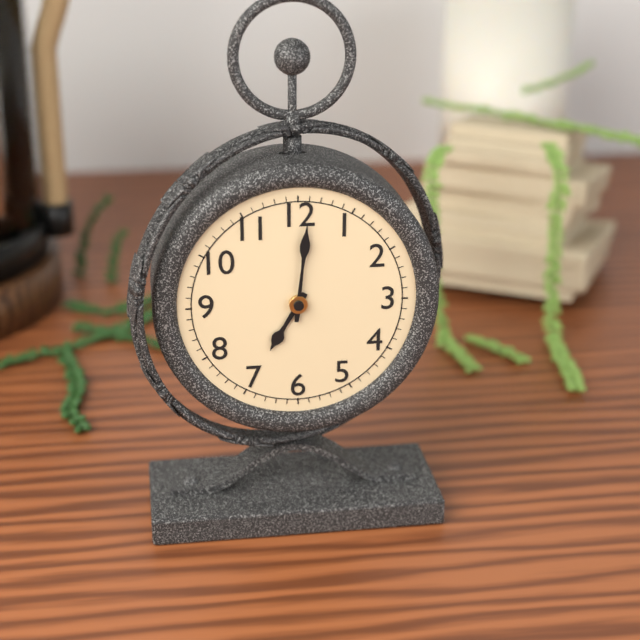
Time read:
7.01
